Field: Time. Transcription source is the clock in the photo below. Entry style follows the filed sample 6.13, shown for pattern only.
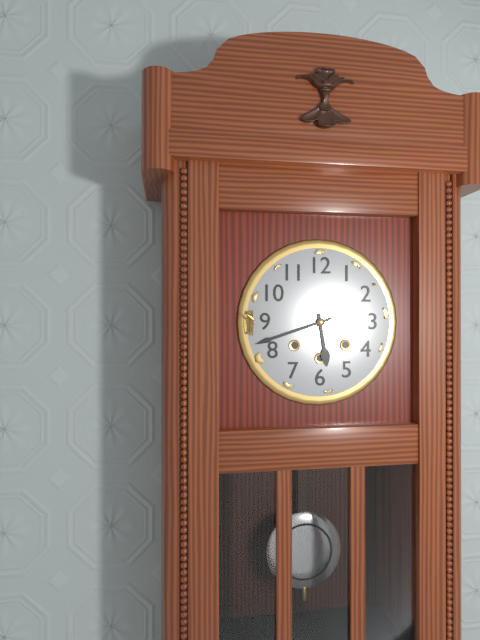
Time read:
5.42
